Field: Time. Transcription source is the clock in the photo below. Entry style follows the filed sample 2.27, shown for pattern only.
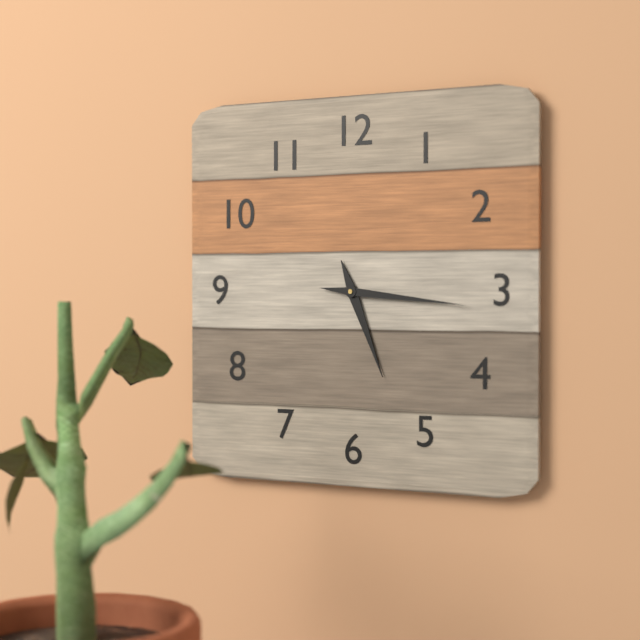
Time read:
5.16
